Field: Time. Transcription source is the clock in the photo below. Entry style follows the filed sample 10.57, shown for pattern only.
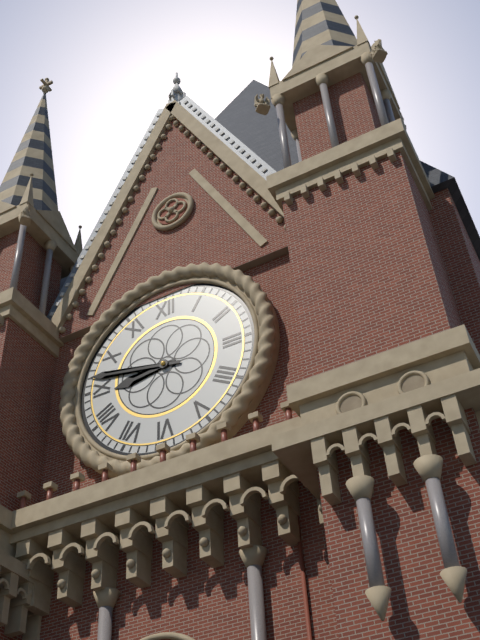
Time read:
8.47
